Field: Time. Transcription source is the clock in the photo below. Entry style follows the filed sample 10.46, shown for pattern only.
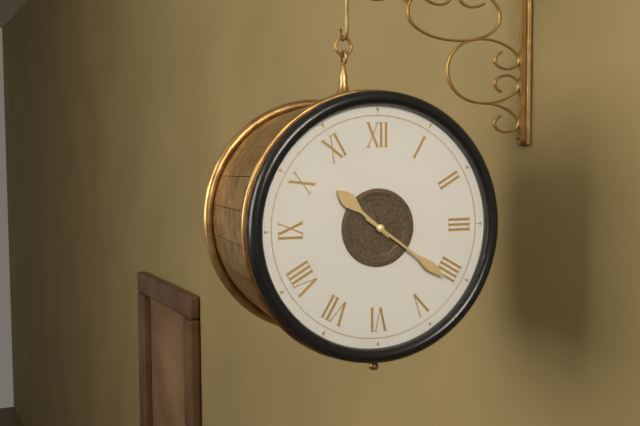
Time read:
10.21
